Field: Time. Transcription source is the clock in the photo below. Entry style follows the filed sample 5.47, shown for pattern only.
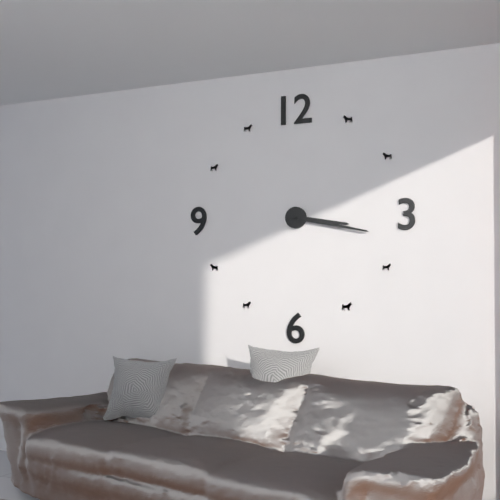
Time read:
3.17
